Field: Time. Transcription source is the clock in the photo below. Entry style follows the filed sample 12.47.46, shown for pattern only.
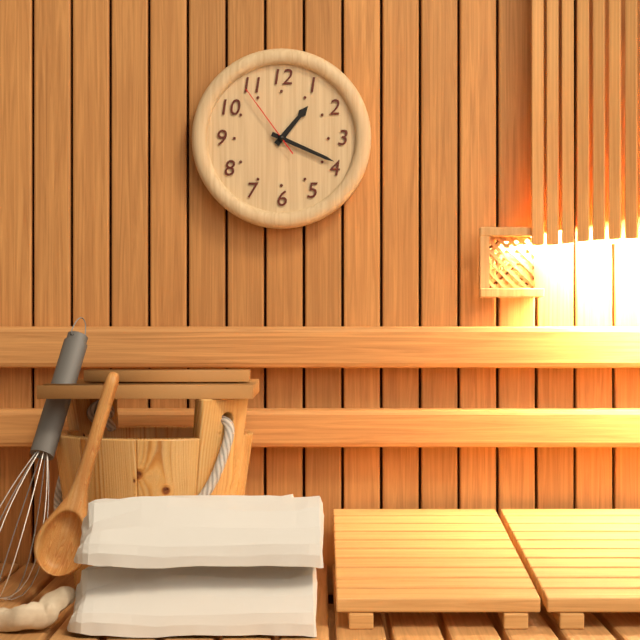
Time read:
1.19.54
